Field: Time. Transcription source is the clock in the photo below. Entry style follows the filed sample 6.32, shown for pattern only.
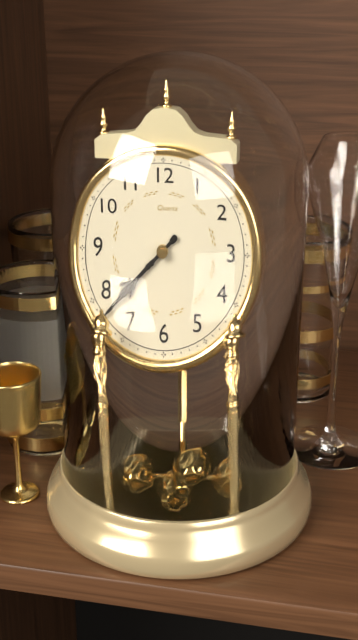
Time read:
7.38
